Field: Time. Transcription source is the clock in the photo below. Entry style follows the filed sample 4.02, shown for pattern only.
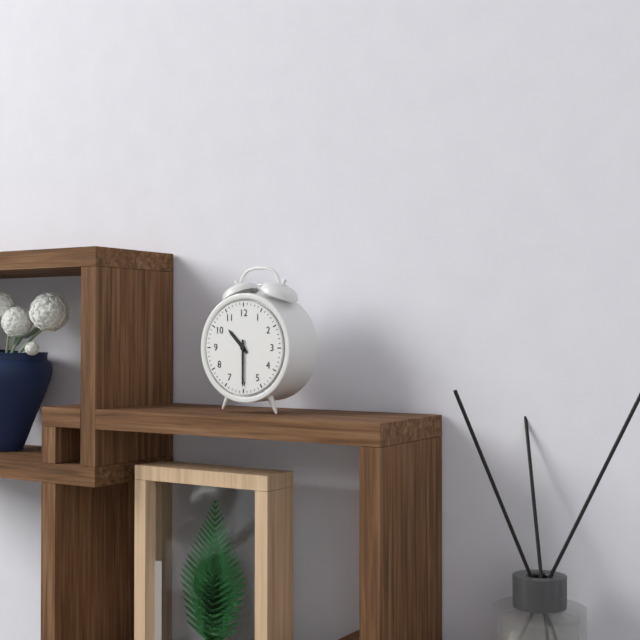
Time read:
10.30
